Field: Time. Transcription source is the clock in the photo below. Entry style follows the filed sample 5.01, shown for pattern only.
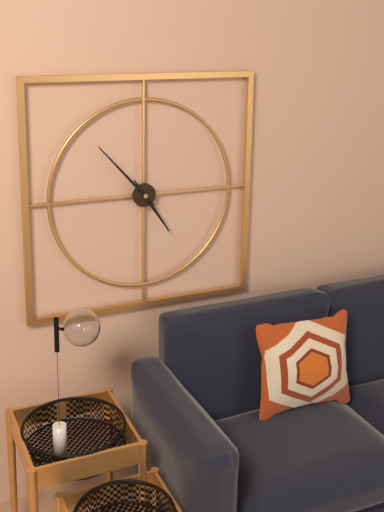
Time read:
4.53
